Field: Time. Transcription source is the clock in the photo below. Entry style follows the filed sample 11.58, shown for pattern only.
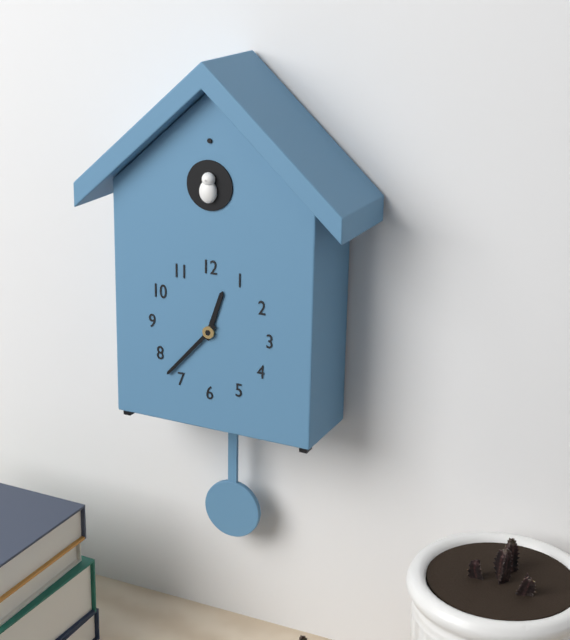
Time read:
12.37
